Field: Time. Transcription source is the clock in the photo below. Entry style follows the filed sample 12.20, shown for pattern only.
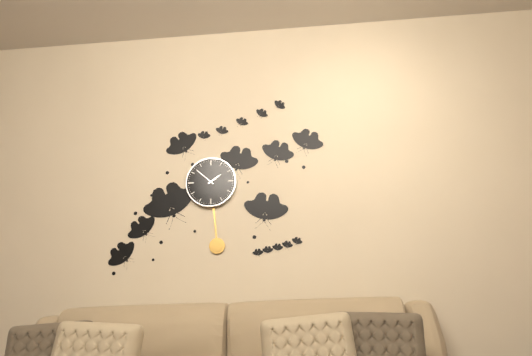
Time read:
1.52
